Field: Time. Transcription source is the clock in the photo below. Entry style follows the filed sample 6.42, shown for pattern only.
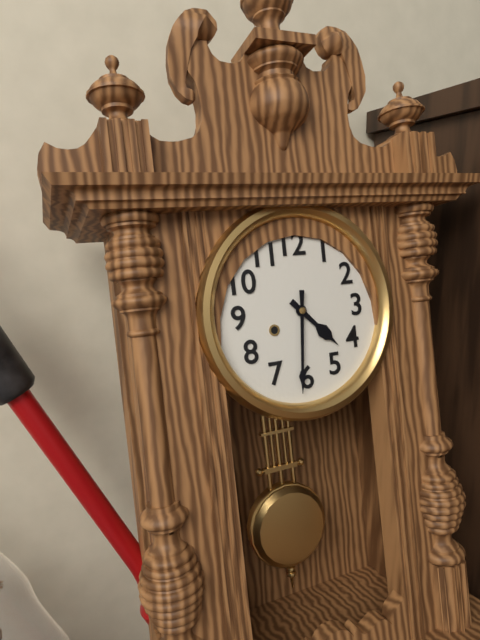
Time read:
4.31
